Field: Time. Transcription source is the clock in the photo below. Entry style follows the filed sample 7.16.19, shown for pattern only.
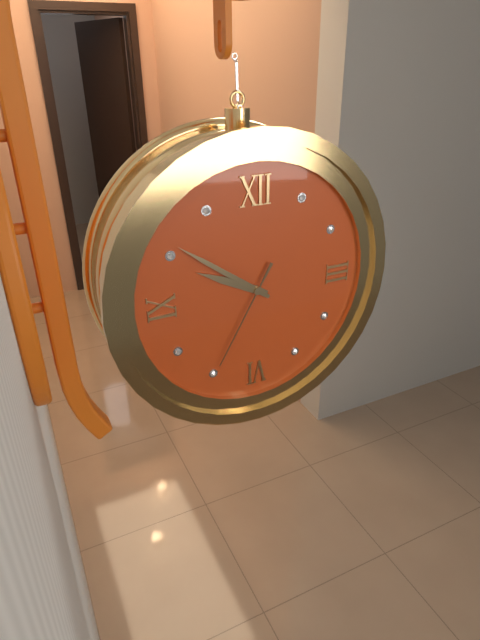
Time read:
9.51.35
